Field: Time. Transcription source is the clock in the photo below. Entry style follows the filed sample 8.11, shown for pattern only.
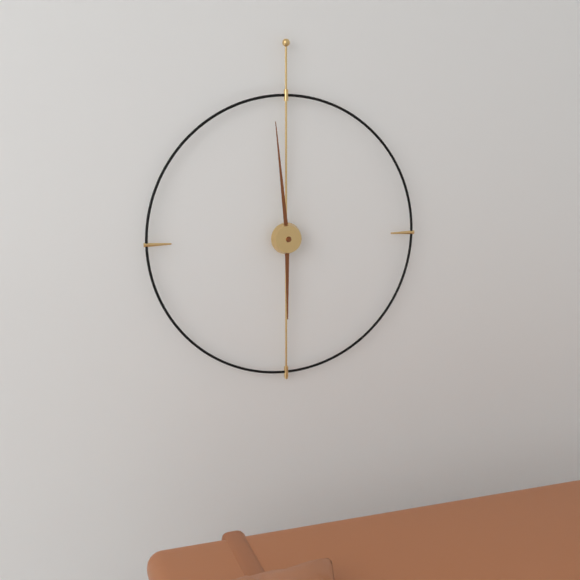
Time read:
5.59
